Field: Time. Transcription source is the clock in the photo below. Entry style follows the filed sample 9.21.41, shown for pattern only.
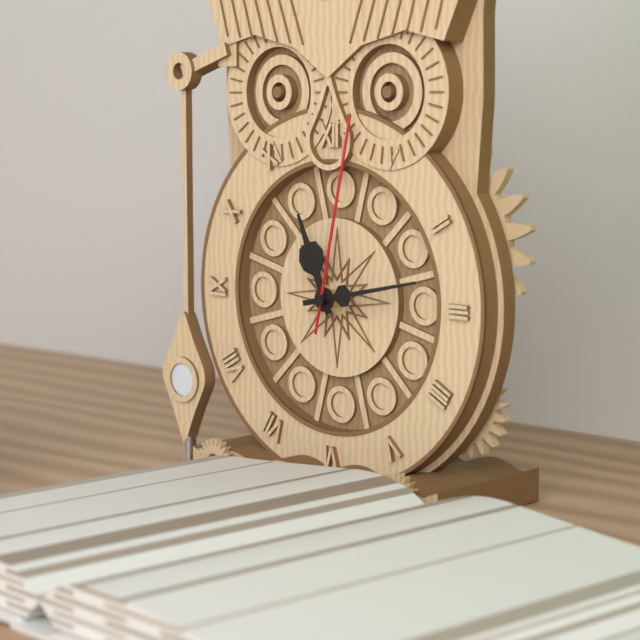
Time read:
11.13.02
